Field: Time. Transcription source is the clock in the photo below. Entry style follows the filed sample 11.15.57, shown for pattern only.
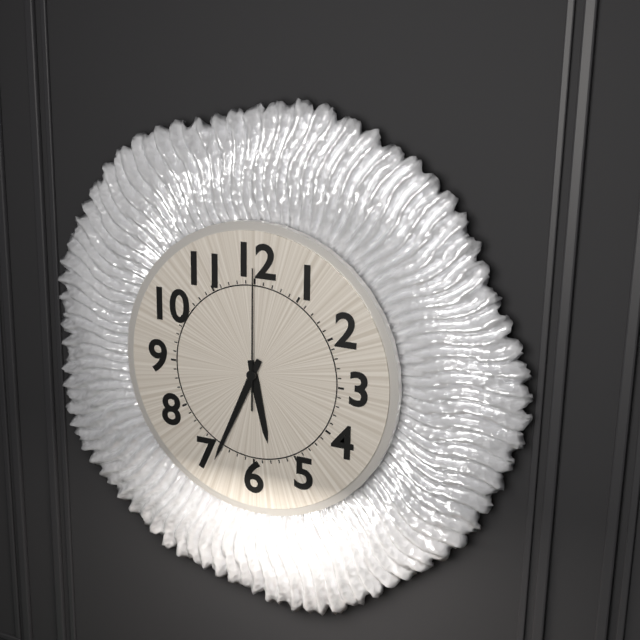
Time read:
5.34.00
